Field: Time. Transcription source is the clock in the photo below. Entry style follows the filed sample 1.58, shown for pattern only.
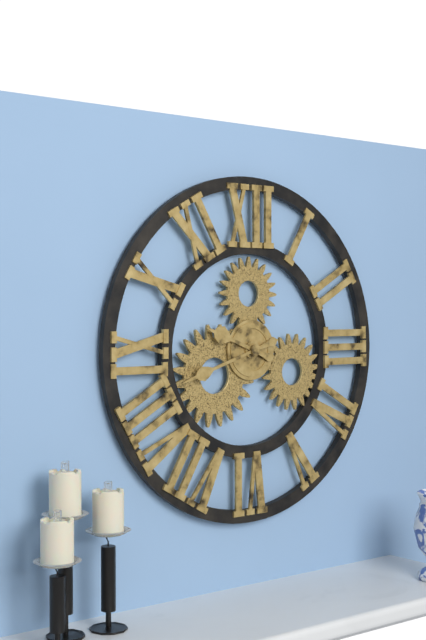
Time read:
9.42
